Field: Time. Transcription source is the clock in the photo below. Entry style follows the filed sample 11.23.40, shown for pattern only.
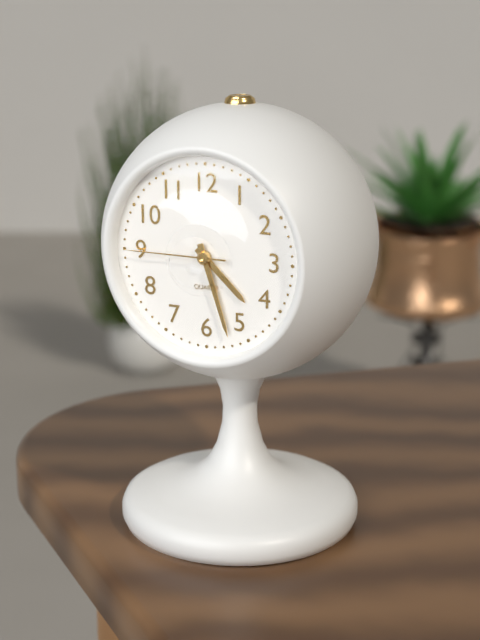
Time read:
4.27.45
